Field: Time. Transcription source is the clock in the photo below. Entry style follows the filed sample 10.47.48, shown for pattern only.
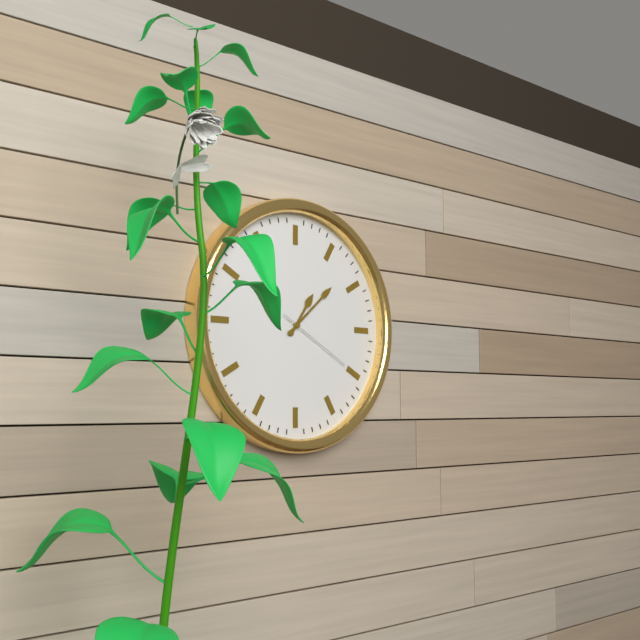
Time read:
1.08.20
